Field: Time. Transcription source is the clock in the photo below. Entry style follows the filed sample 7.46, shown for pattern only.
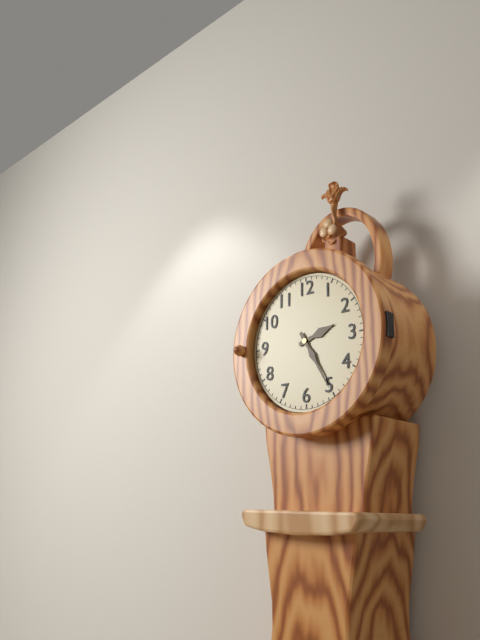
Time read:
2.25
